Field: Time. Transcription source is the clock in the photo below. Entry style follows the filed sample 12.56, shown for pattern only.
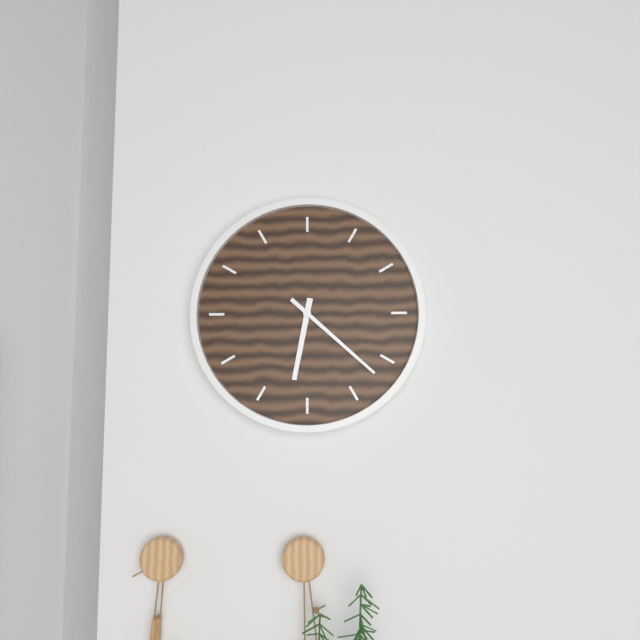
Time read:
6.22
